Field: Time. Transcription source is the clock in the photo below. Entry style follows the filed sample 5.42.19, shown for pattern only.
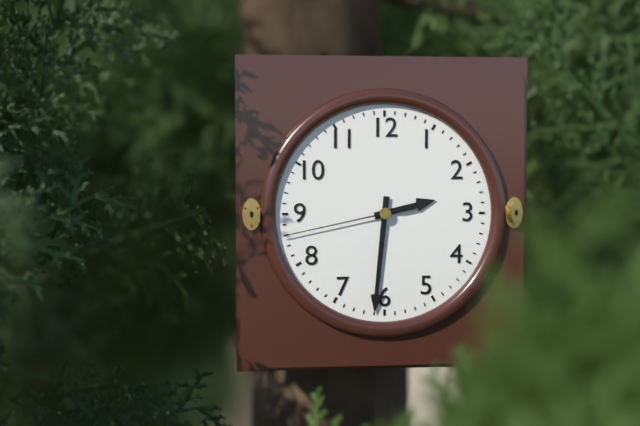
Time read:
2.31.43
